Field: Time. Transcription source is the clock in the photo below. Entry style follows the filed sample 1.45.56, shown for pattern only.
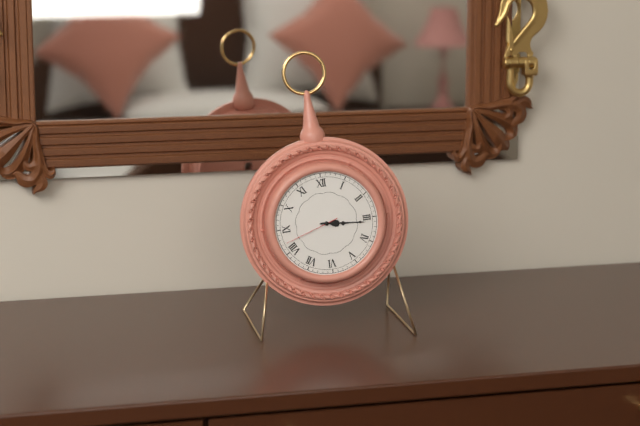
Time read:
3.16.42
